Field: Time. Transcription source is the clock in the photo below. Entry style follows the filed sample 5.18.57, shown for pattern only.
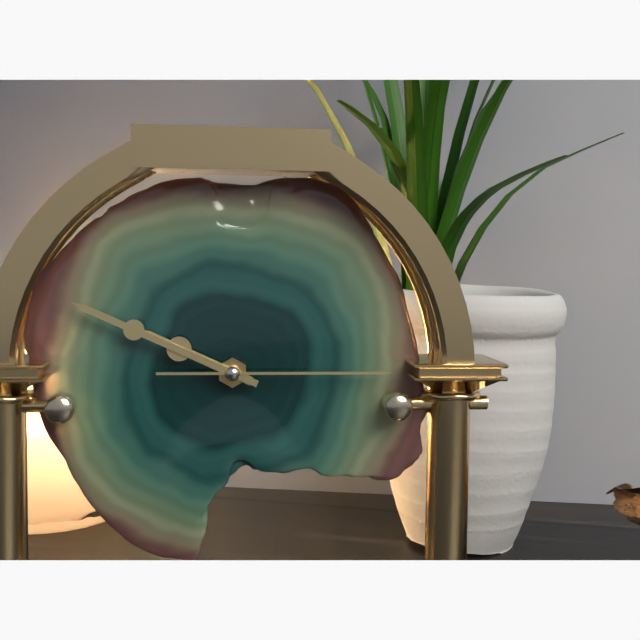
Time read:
9.49.15
